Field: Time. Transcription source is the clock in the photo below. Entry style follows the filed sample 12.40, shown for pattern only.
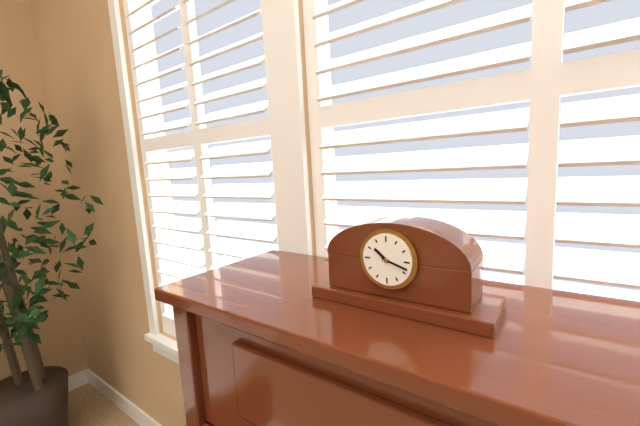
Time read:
10.18
